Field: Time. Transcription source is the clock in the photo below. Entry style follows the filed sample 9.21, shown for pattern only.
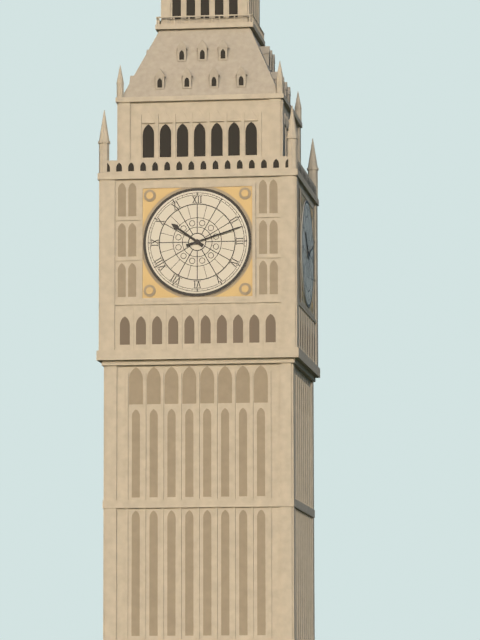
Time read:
10.12
